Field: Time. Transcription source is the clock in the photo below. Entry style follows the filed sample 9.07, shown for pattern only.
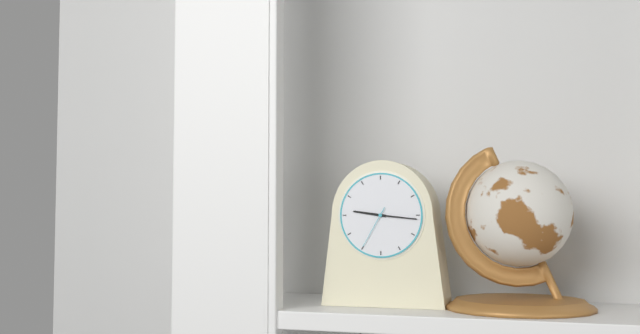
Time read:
9.16
